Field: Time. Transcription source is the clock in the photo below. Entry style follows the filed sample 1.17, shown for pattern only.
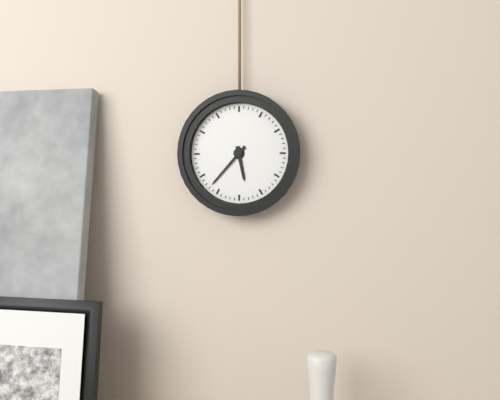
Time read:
5.37
